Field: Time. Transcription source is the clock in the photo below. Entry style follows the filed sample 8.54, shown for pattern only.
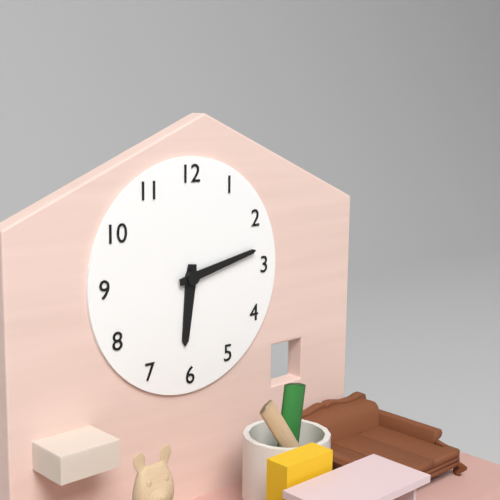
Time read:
6.13
